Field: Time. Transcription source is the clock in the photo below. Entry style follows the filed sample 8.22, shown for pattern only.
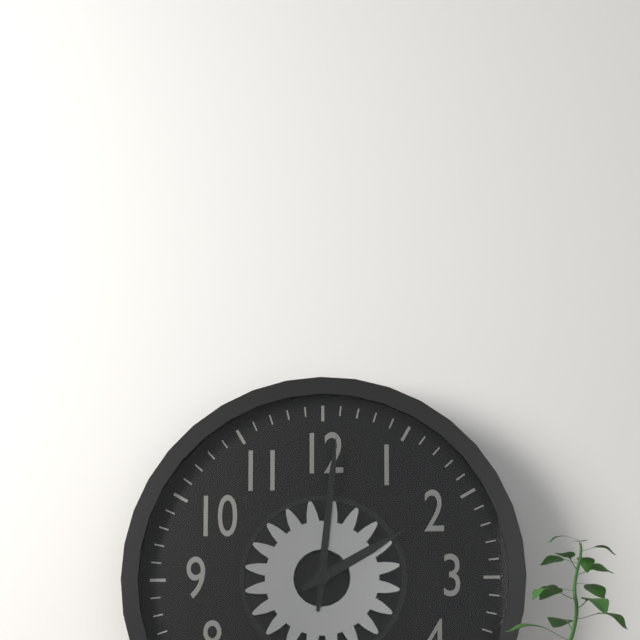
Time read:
2.01
